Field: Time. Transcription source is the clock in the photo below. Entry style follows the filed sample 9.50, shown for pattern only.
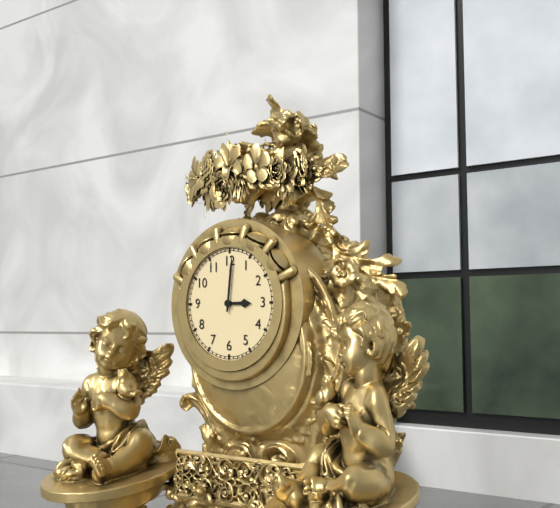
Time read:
3.01
